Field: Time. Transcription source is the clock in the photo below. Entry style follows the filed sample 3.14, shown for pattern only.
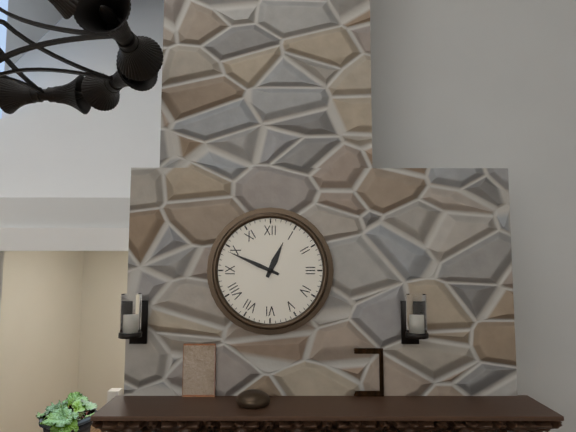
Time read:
12.49
